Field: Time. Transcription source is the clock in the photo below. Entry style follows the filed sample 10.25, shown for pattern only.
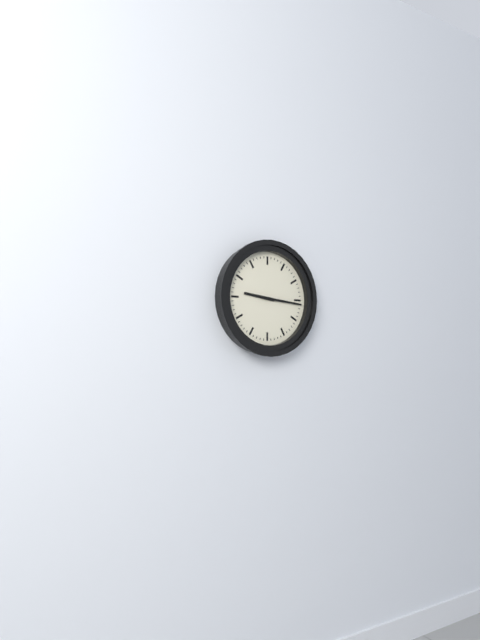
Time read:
9.16
